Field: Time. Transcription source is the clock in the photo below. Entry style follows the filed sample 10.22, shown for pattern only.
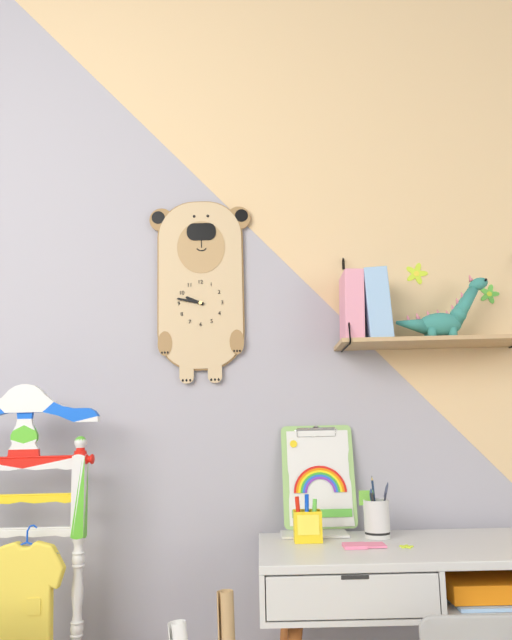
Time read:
9.47
